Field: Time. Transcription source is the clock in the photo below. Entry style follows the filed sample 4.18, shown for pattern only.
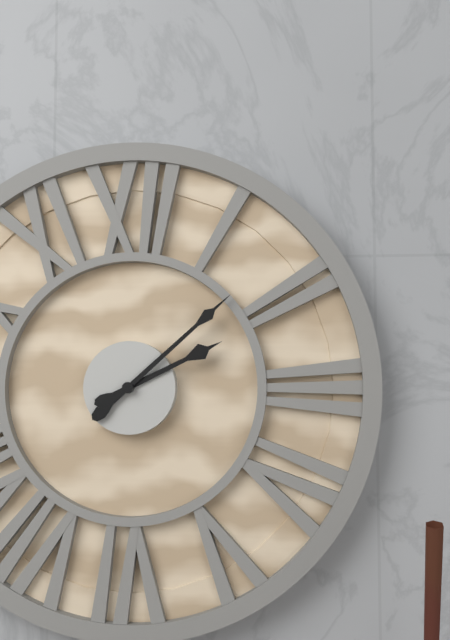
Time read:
2.08
